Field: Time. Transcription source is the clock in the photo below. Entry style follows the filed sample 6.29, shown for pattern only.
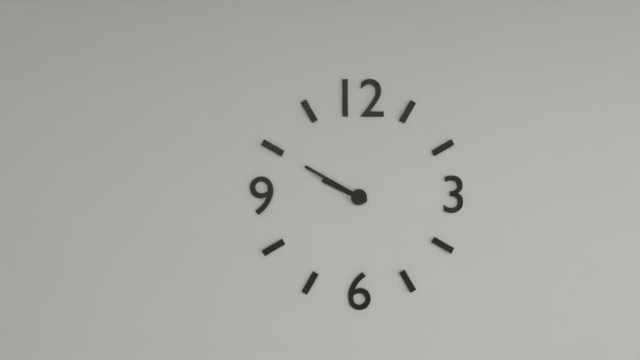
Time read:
9.50
